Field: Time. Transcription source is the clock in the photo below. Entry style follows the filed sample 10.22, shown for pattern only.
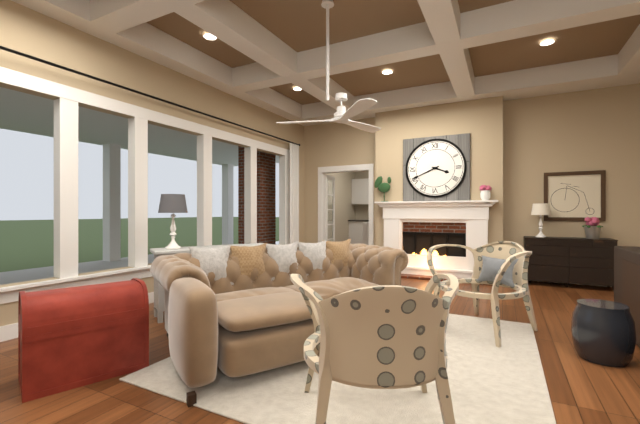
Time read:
3.41
